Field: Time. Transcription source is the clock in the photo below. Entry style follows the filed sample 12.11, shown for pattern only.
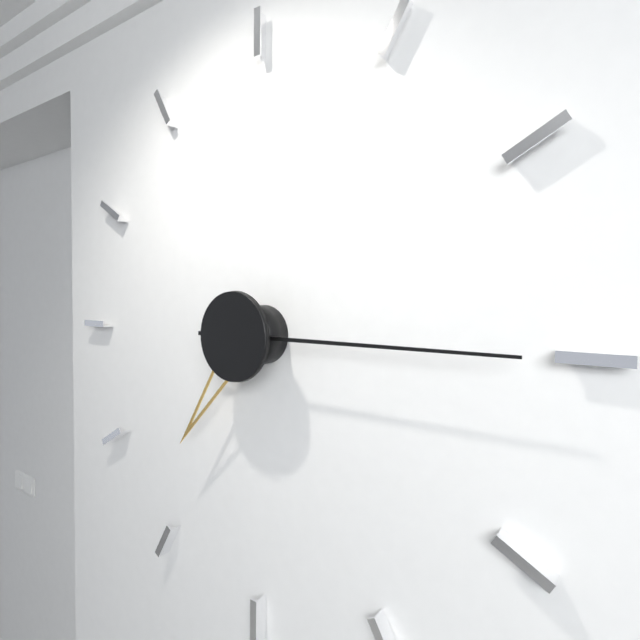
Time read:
7.15
